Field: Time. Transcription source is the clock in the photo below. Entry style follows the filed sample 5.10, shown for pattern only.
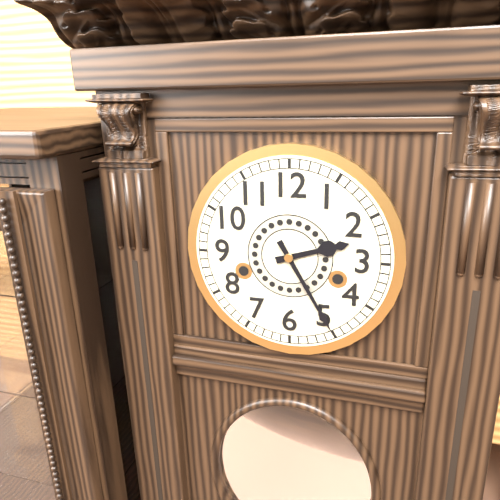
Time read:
2.25
